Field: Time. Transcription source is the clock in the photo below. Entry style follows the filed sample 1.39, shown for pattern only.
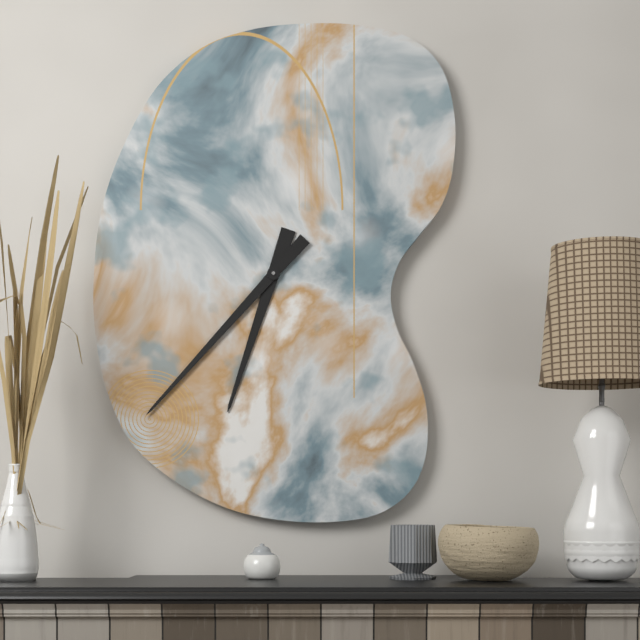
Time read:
6.37
